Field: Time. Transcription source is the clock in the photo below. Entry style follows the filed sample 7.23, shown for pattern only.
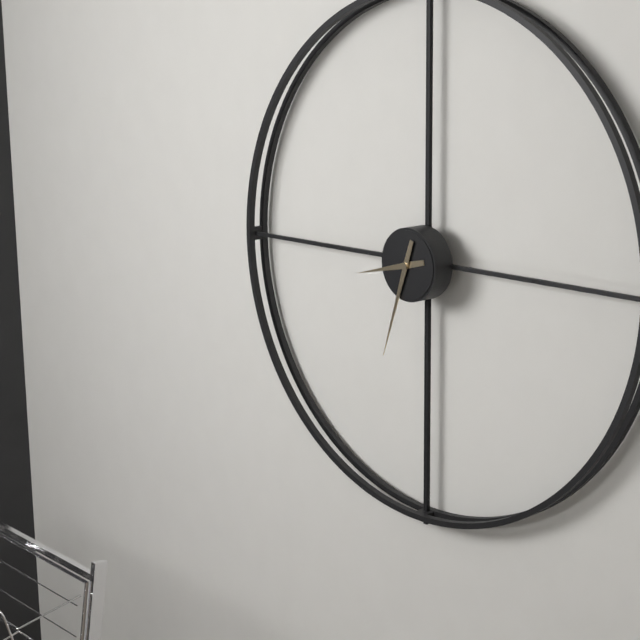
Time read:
8.33
